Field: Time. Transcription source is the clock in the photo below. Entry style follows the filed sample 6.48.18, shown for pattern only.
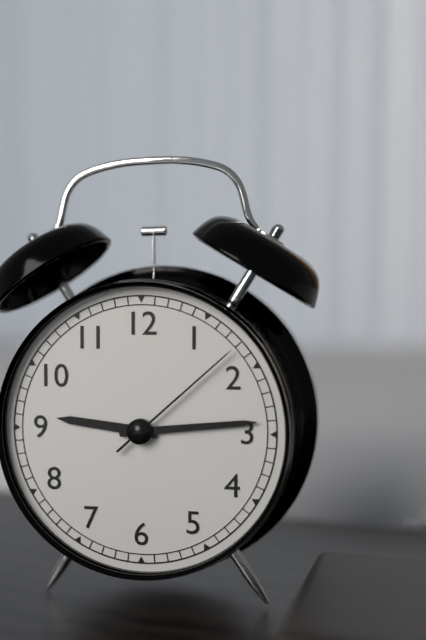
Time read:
9.14.08
